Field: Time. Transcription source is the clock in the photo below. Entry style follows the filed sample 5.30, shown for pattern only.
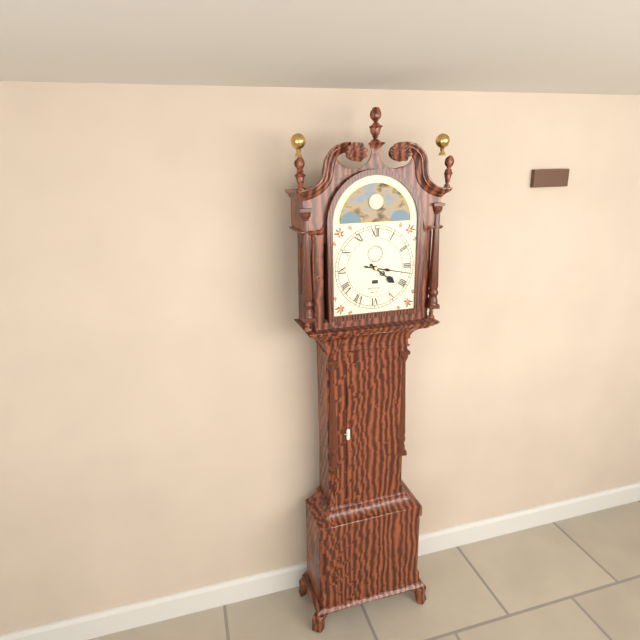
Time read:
4.17
